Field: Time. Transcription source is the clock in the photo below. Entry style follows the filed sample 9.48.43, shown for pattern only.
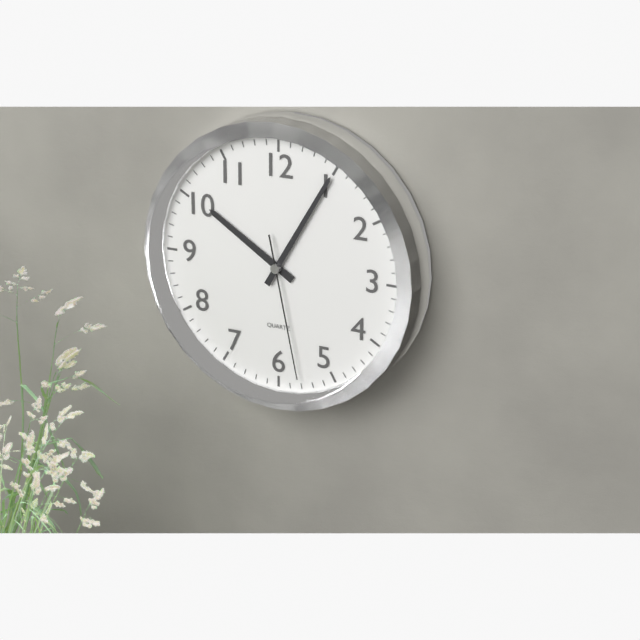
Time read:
10.05.28
